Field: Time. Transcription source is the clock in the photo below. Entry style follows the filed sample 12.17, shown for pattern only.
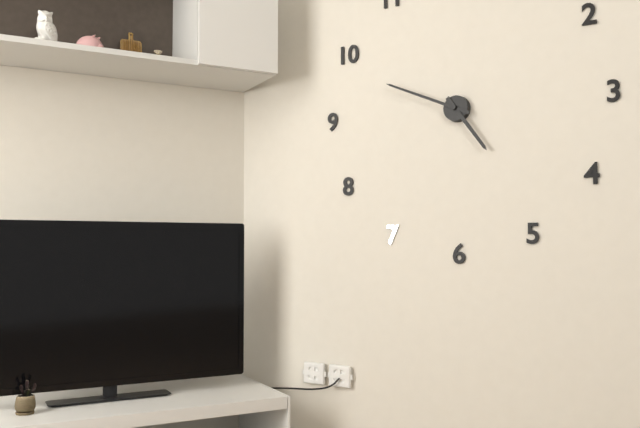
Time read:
4.49
